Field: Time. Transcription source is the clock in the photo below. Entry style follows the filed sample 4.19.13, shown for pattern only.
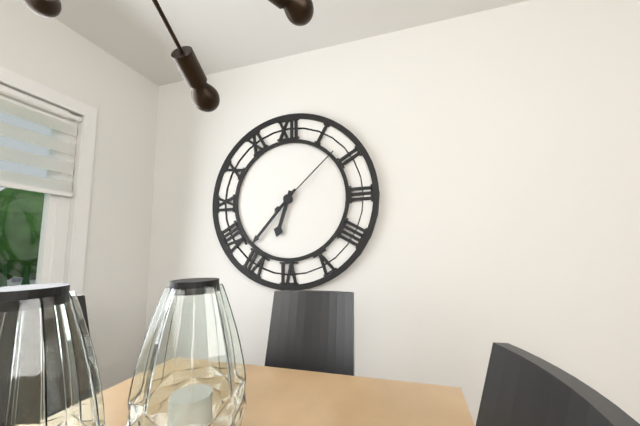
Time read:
6.37.08
